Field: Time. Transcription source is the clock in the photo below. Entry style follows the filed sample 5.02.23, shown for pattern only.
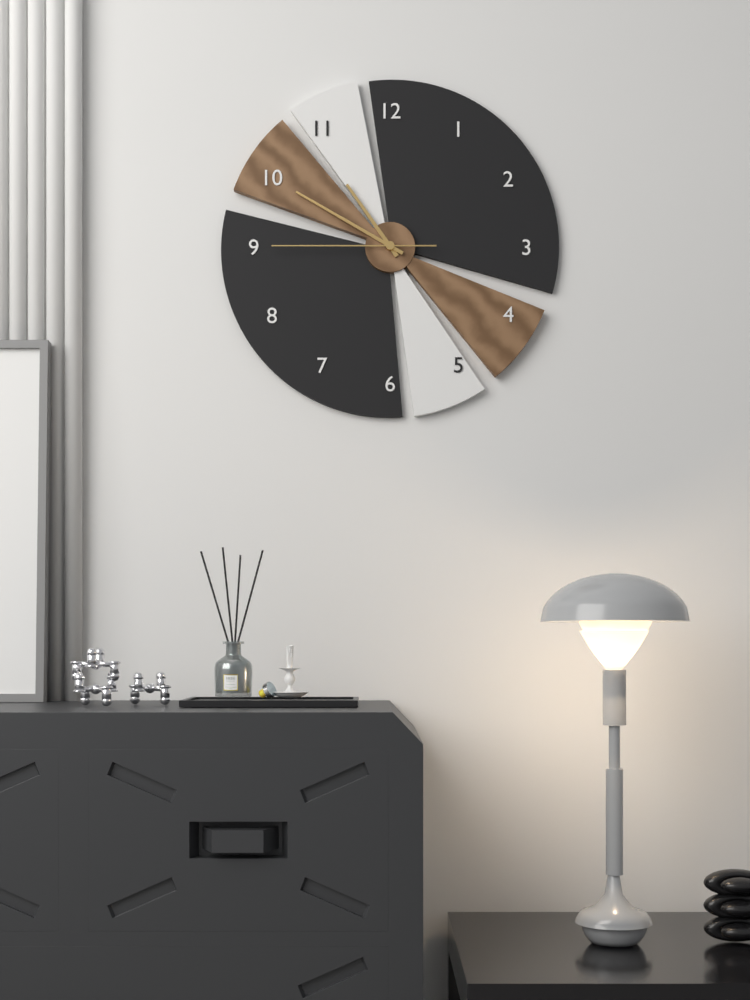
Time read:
10.50.45
